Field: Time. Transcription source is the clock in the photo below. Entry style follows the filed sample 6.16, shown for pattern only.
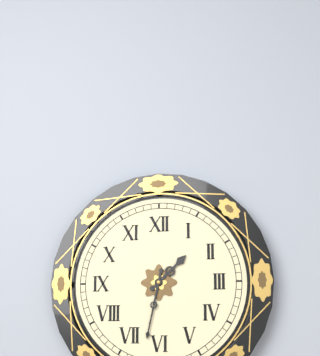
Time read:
1.32
